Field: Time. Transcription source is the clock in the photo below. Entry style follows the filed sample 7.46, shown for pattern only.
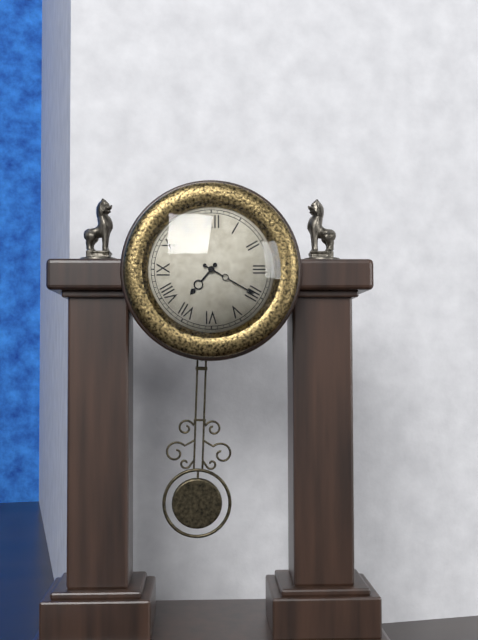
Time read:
7.20
